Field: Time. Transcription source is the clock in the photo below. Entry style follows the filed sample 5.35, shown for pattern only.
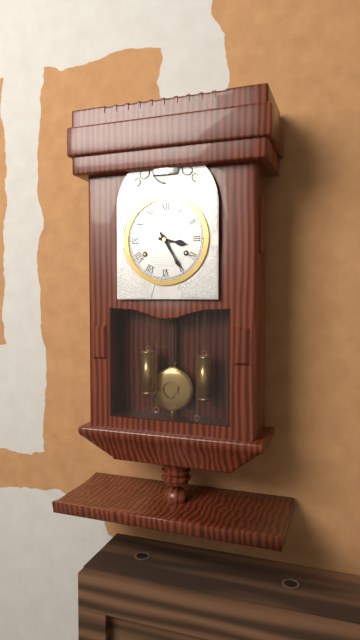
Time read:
3.25
